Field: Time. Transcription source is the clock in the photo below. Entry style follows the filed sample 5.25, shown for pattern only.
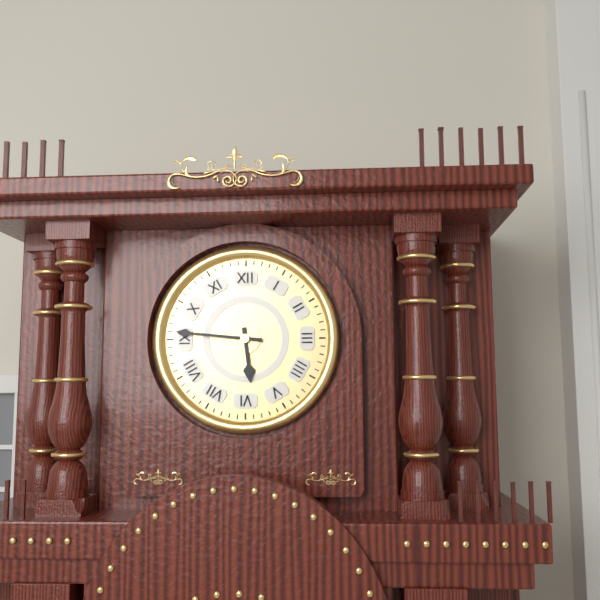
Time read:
5.46
